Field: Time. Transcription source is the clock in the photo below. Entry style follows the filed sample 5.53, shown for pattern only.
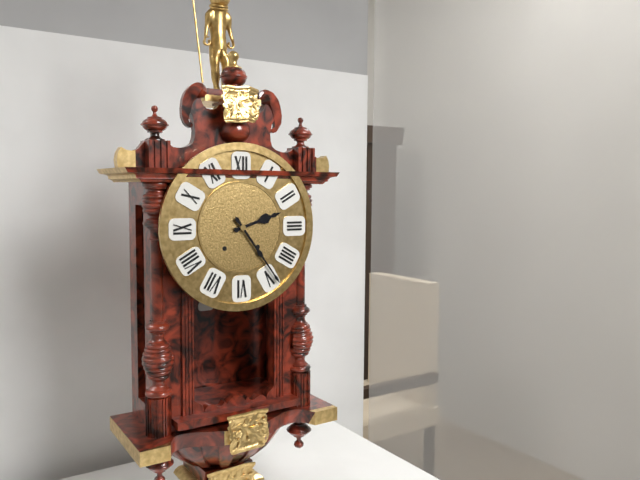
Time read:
2.24
